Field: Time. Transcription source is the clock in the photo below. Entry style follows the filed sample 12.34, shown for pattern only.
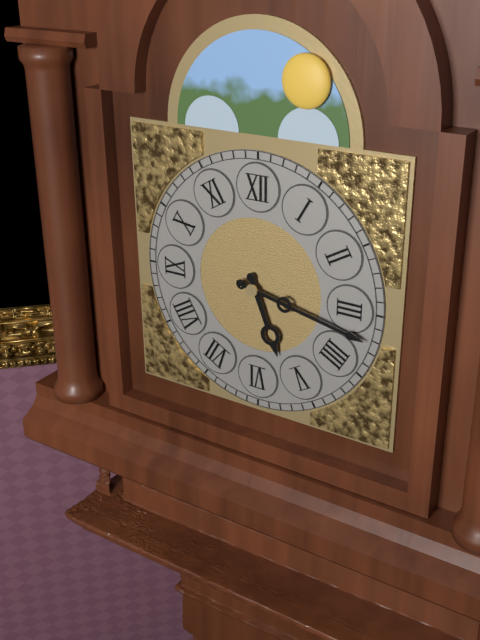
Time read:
5.17
